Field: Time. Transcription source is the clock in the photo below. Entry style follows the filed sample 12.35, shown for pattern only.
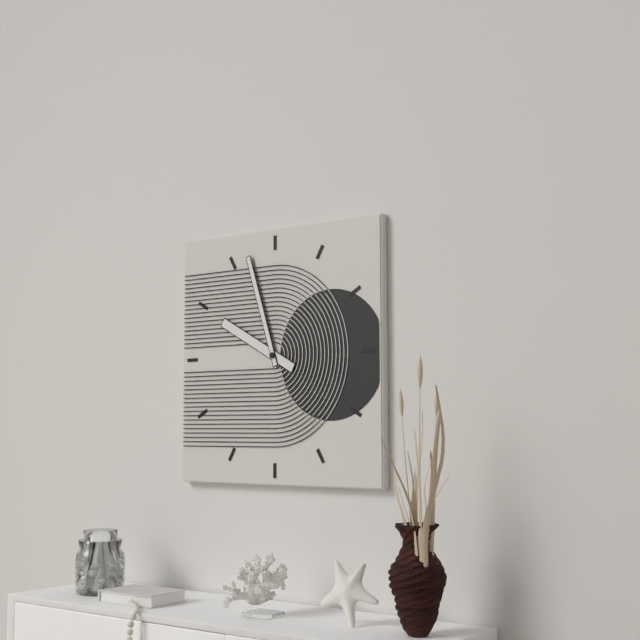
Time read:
9.57
